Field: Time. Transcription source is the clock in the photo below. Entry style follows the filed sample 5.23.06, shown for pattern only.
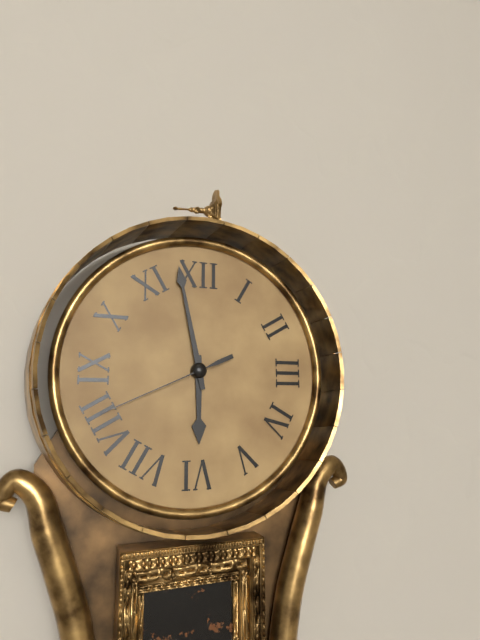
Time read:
5.58.41
